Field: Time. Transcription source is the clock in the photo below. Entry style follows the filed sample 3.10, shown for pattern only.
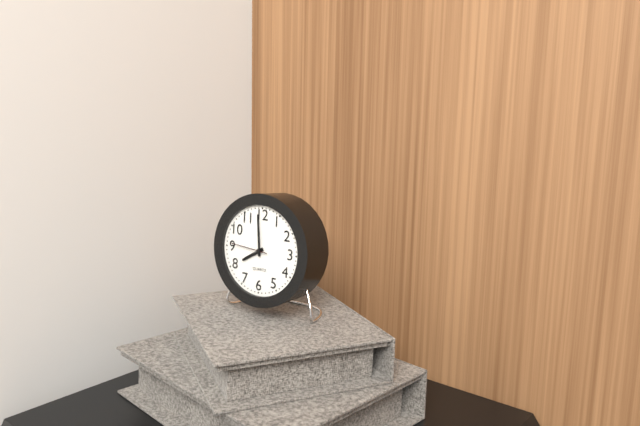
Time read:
7.59
